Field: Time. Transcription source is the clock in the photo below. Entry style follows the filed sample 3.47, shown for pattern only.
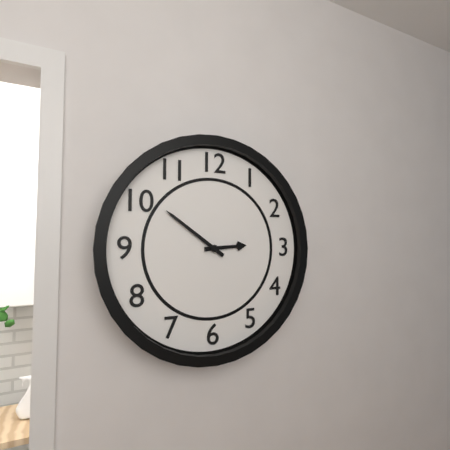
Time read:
2.51
